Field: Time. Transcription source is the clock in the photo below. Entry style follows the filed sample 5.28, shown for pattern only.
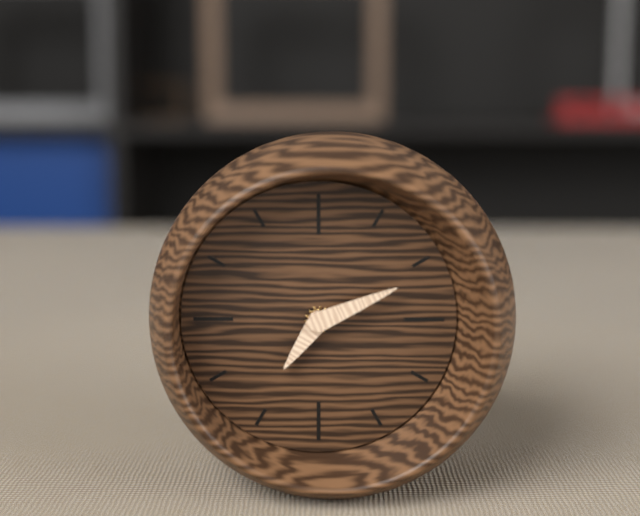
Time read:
7.11
